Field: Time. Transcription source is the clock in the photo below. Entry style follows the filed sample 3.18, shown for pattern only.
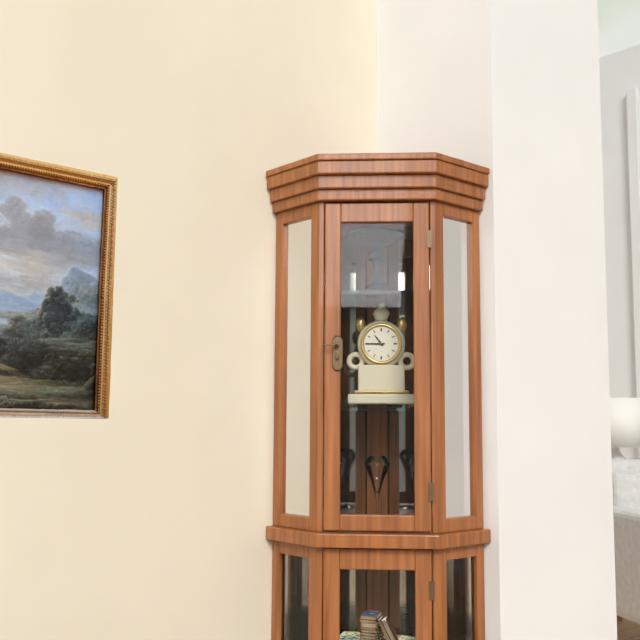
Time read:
10.45
